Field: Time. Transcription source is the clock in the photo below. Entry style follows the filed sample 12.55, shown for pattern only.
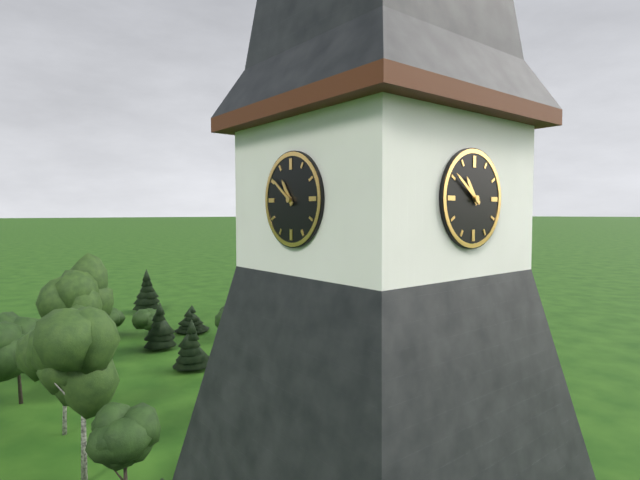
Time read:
10.51
